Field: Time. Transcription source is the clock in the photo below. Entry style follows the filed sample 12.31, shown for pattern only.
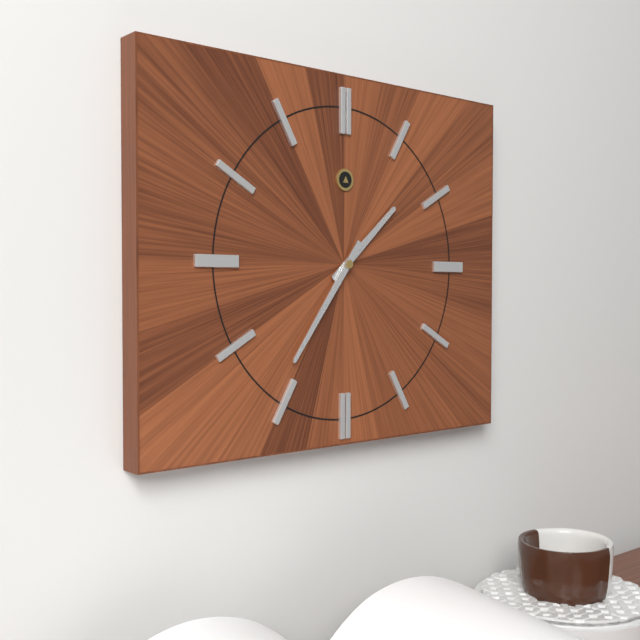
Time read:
1.36
